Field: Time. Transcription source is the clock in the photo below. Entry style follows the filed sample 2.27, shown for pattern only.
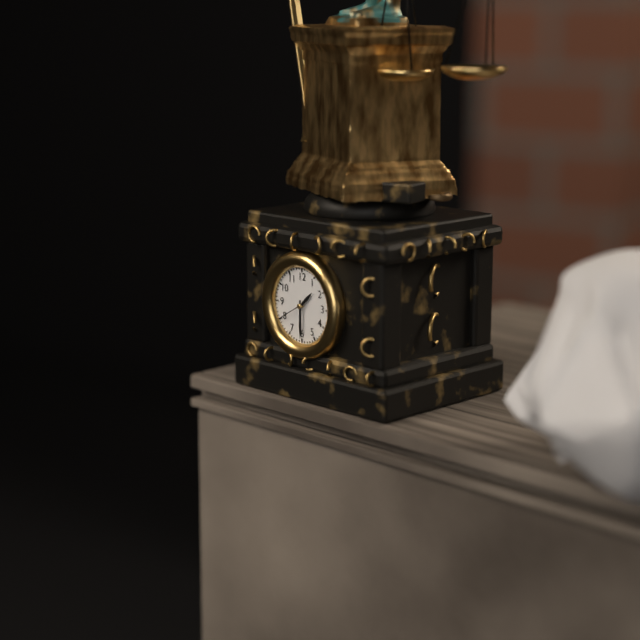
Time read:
1.30
